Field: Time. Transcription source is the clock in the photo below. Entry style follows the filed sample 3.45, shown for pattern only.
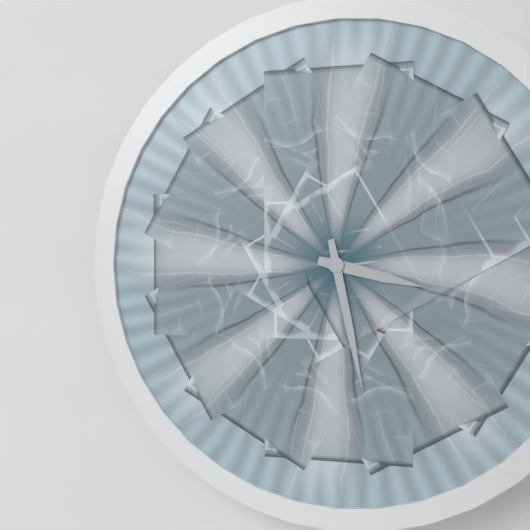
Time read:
3.28
